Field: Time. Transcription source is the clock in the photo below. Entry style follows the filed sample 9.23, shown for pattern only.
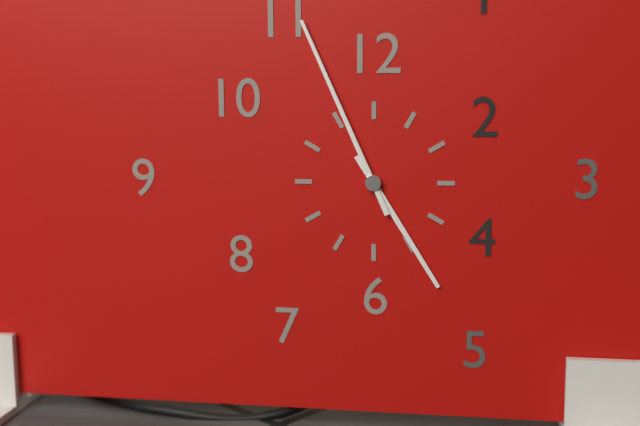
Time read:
4.56
